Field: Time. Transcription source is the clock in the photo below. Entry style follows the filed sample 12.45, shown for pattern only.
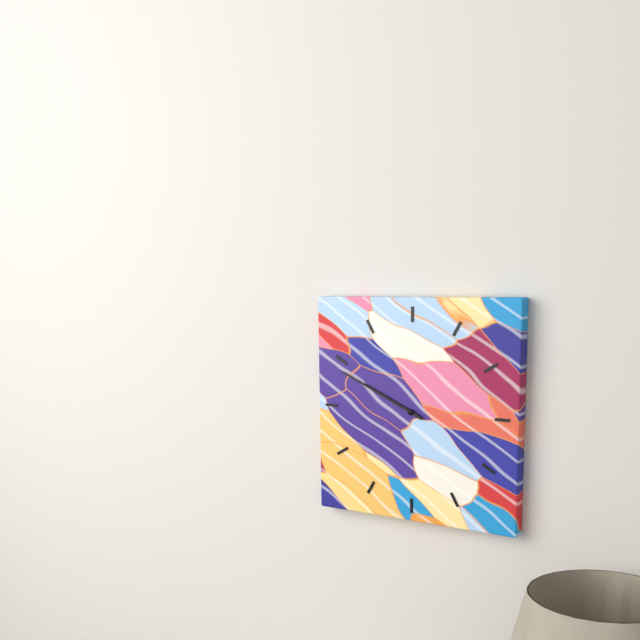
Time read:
9.49
